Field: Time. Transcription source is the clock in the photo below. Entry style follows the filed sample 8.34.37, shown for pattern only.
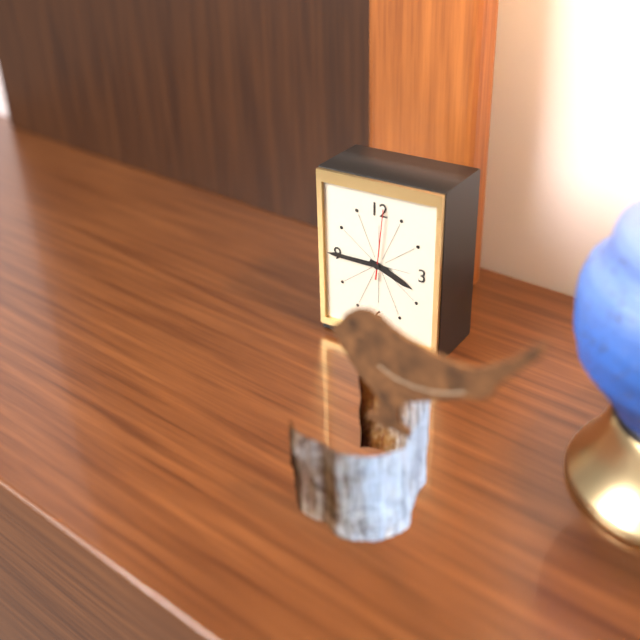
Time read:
3.45.01
